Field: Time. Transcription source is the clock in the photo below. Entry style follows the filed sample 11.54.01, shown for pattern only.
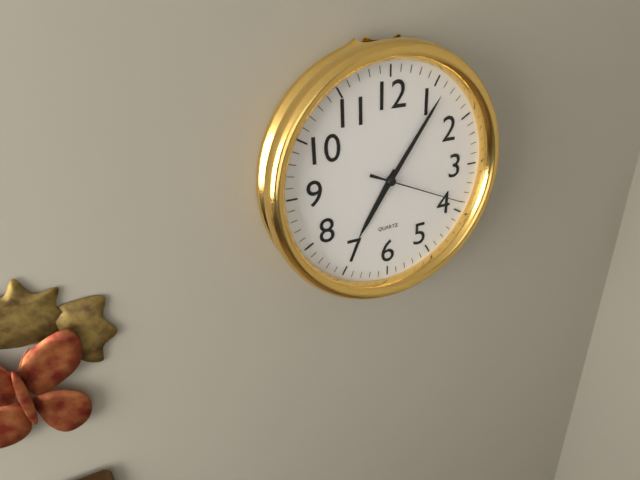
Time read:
7.06.19
